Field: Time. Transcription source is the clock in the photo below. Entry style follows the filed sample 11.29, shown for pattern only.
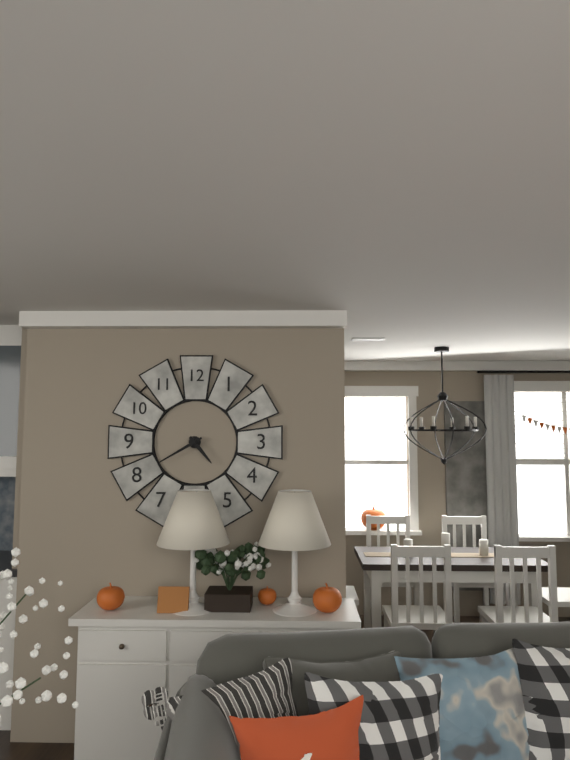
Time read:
4.40
